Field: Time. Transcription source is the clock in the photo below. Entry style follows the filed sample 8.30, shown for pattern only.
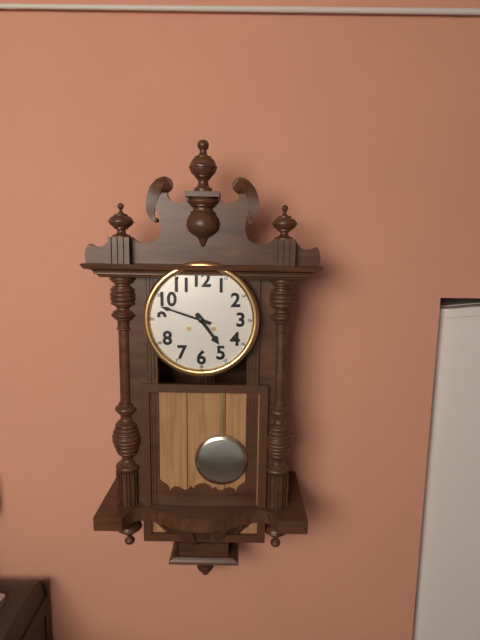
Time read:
4.48
